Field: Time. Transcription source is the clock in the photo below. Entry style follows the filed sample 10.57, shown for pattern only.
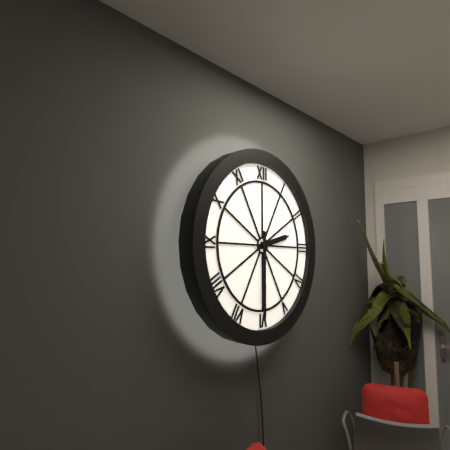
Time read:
2.30
